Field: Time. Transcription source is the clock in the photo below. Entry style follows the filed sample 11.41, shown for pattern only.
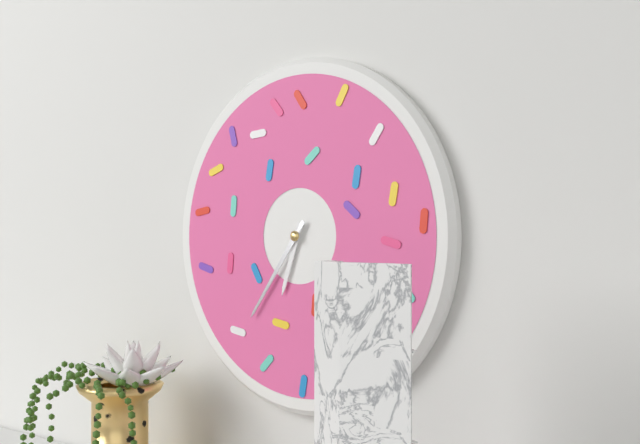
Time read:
6.36
